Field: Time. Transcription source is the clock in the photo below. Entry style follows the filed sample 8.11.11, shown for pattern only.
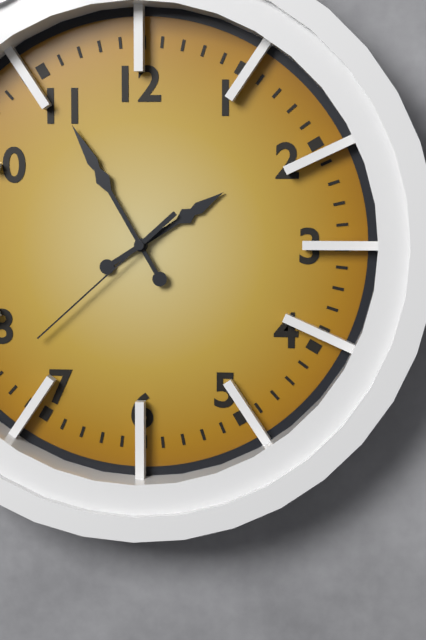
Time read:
1.55.38
